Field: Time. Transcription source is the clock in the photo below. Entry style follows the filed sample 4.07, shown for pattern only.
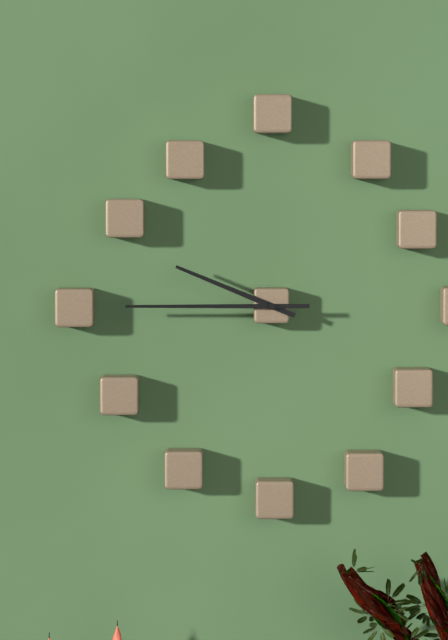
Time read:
9.45
